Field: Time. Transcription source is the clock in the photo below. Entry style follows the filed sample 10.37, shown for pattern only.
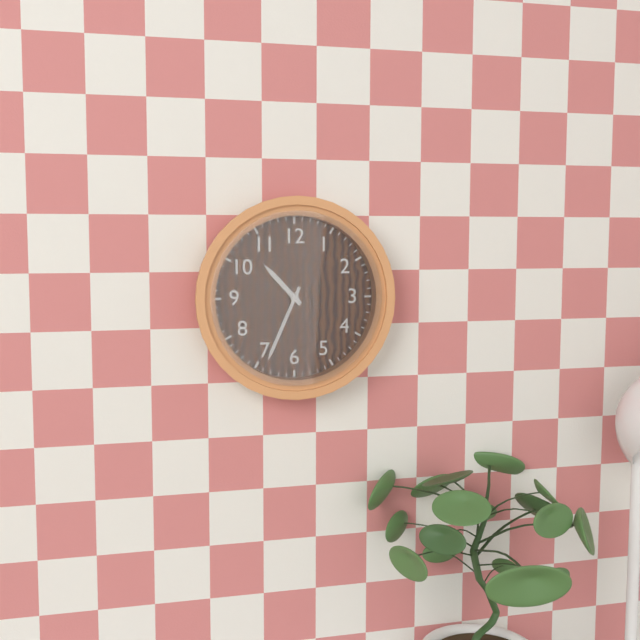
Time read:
10.34
